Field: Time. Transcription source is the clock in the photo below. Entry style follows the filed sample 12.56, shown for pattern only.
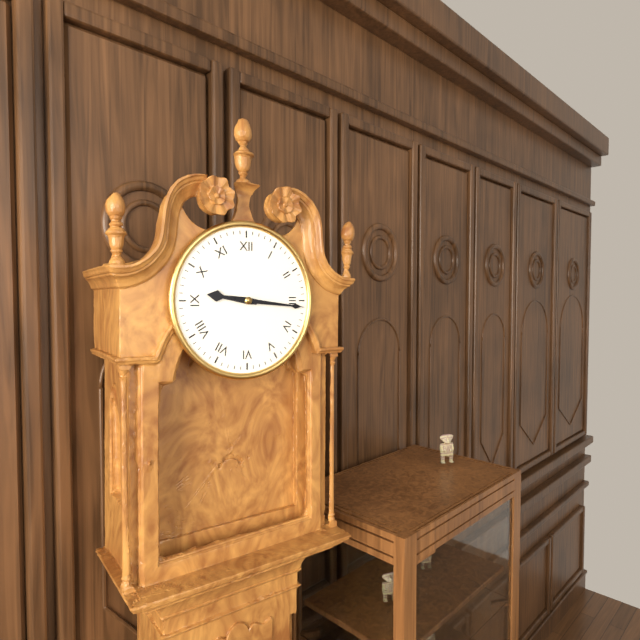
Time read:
9.16
